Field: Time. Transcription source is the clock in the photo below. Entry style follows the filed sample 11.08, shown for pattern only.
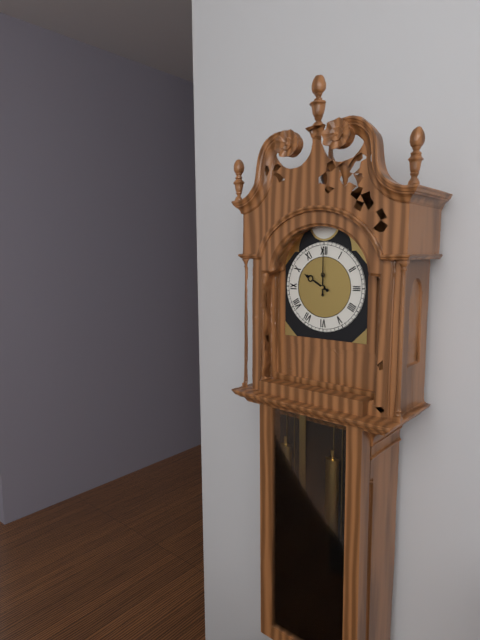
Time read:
10.00
